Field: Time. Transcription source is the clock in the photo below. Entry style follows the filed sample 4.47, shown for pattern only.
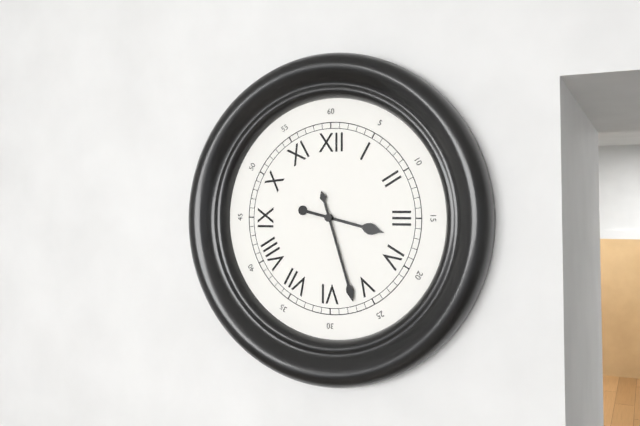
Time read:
3.27
